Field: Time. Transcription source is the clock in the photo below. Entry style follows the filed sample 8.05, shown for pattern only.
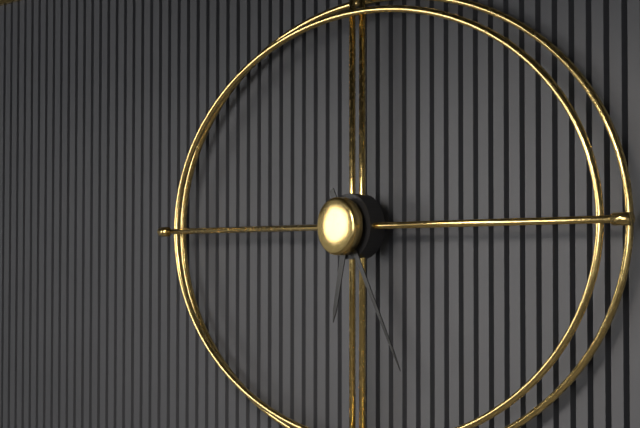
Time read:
6.25
